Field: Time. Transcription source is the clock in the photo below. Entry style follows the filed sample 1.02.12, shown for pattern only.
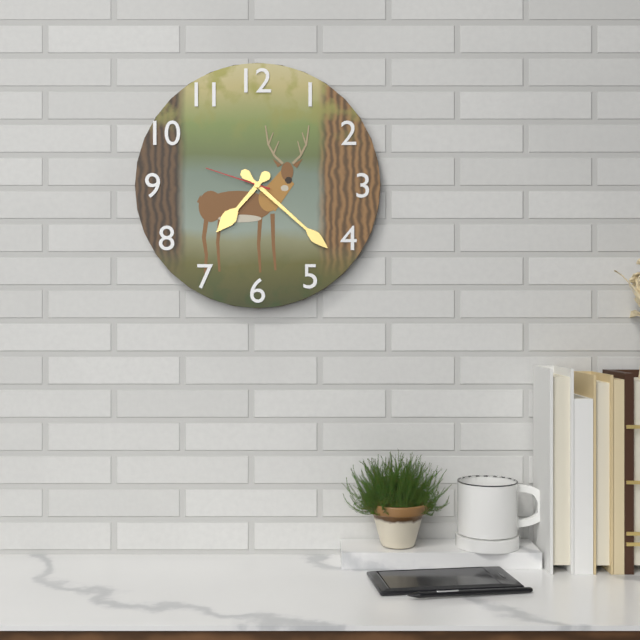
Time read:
7.22.48
